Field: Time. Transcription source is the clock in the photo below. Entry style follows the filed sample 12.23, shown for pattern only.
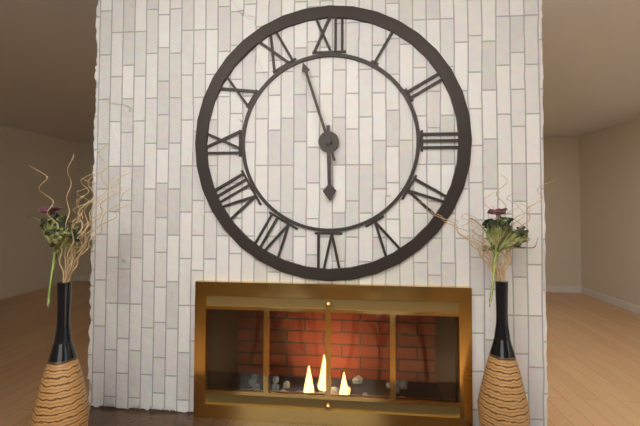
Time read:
5.57
